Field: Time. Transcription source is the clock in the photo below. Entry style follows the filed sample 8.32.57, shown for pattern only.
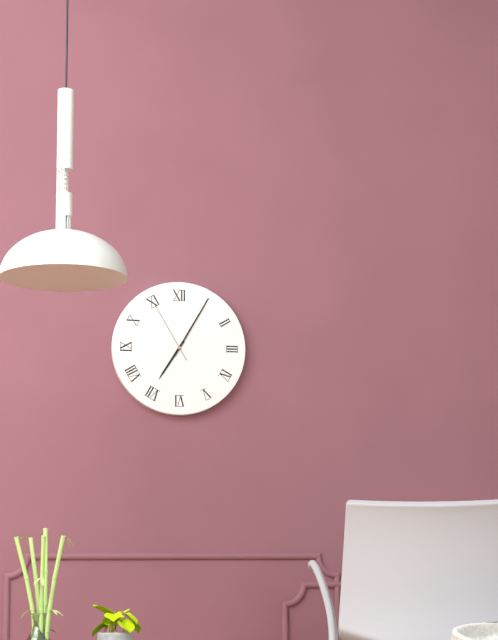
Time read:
7.05.55
